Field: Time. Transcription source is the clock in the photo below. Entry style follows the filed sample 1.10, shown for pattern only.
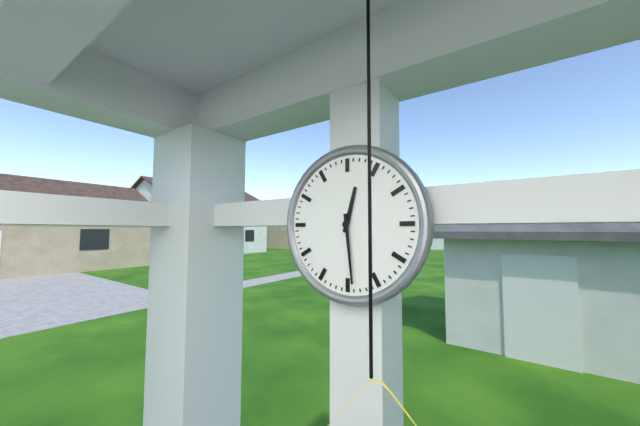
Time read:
12.29
